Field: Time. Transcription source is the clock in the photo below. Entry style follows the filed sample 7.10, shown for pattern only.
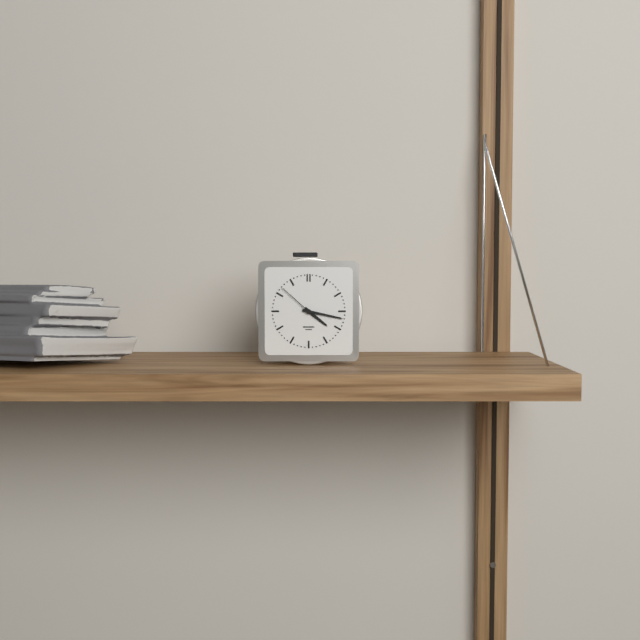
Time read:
4.17
